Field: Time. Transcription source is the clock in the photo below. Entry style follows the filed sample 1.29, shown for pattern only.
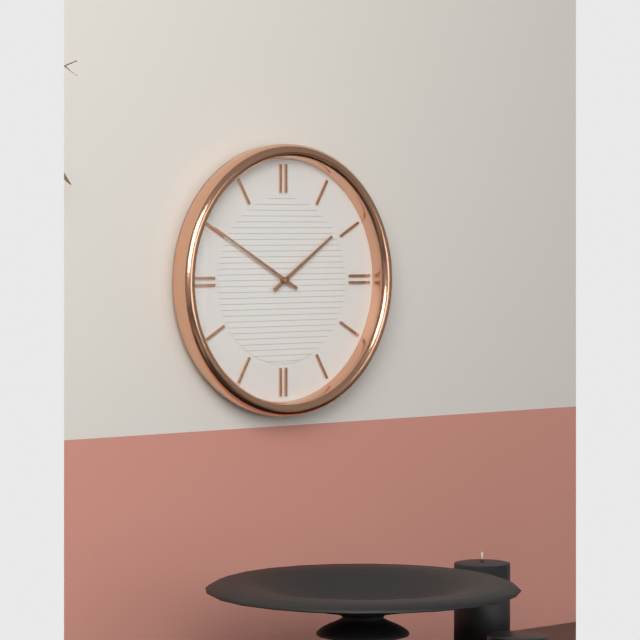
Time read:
1.50
